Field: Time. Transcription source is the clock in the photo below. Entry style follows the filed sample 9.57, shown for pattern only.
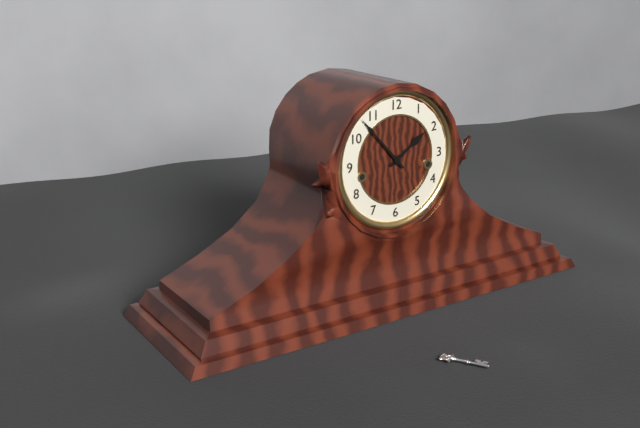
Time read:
1.53
